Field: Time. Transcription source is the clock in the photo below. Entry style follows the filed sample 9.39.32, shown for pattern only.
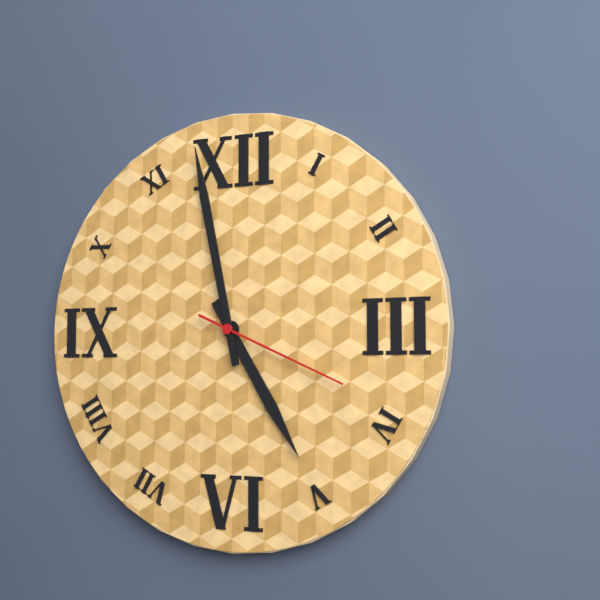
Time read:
4.58.19
